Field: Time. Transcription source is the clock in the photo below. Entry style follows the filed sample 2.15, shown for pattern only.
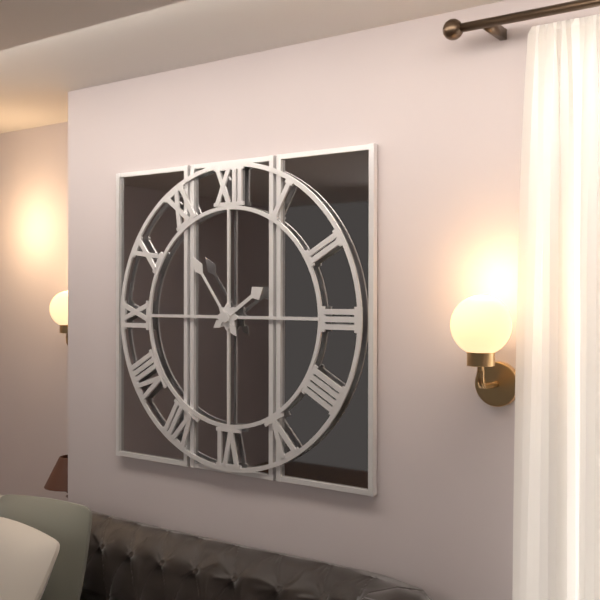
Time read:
1.54
